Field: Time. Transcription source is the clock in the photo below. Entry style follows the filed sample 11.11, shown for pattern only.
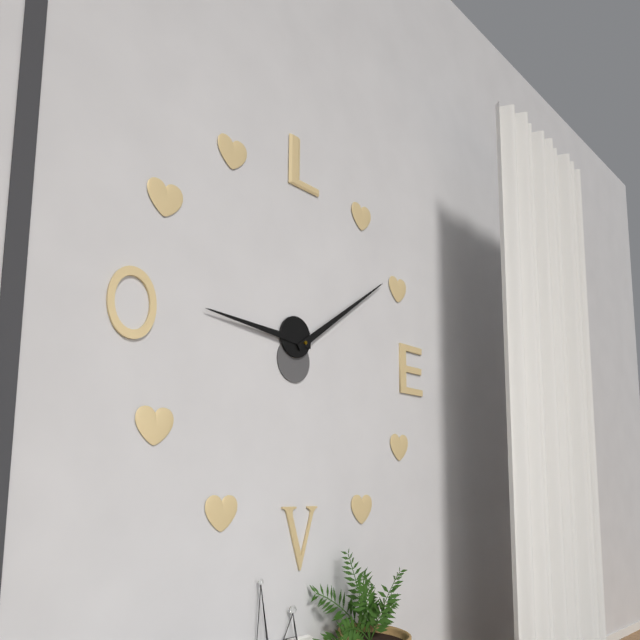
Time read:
9.09
